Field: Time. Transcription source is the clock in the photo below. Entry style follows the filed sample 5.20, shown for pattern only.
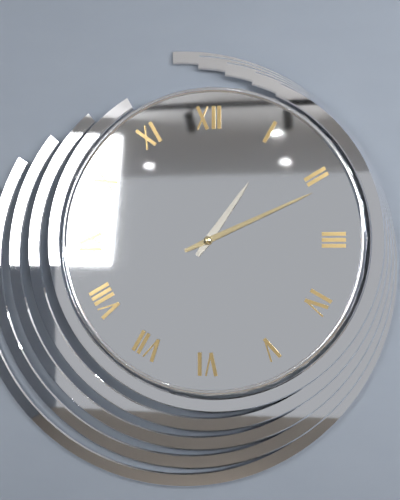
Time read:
1.11
